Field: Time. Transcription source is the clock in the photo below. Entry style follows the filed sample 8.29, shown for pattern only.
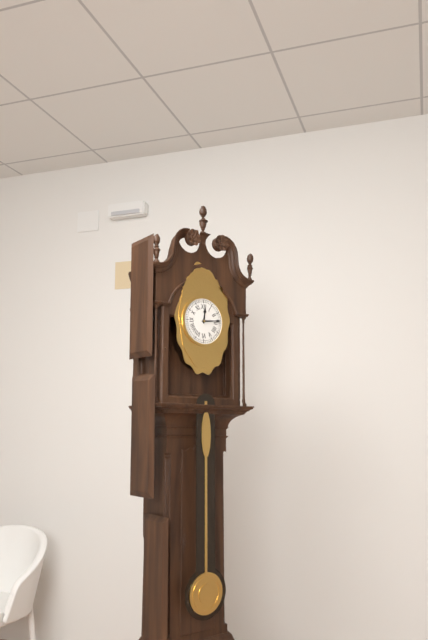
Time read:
12.14
